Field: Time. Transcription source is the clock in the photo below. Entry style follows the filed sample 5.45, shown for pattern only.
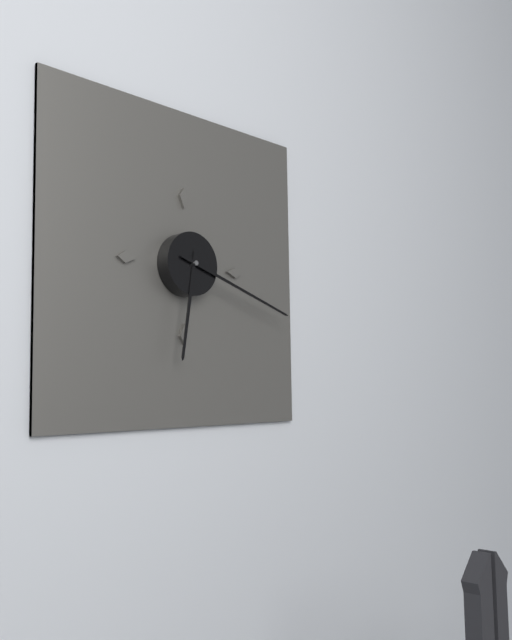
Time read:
6.18
